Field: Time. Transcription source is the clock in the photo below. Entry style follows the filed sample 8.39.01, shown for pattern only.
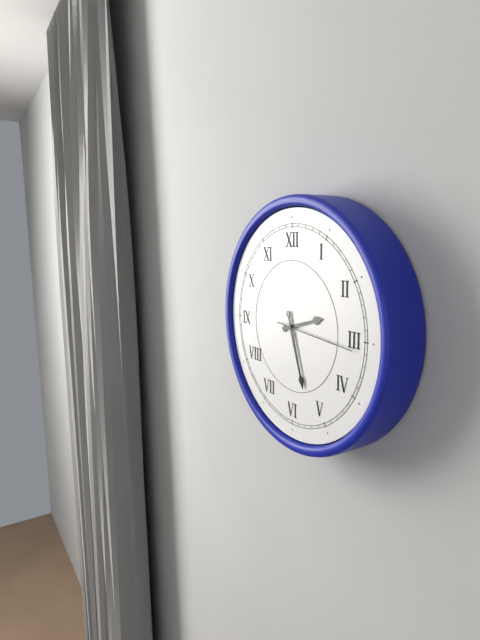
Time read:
2.27.16
